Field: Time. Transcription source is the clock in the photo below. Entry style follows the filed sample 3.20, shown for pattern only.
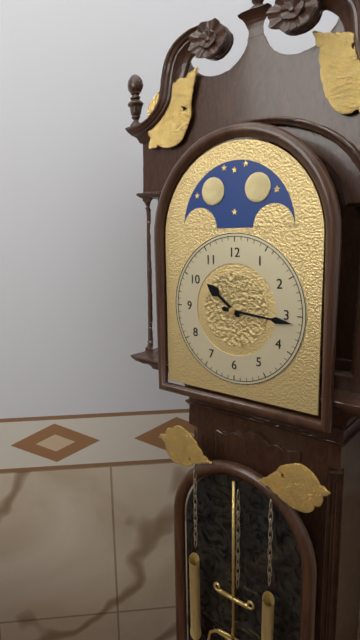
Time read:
10.16
